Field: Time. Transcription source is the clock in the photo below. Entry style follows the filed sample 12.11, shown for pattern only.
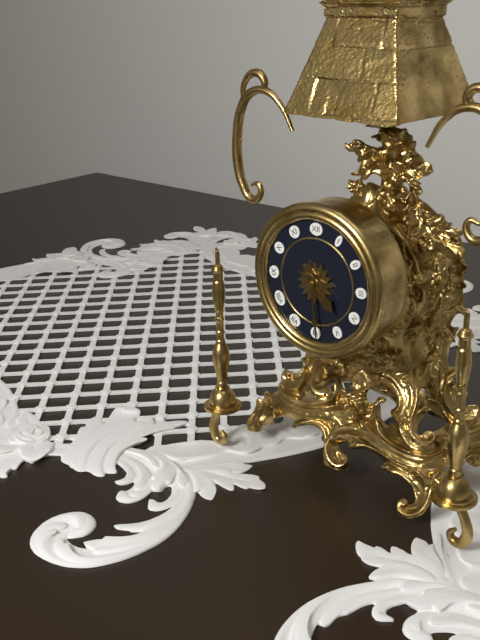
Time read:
4.29
